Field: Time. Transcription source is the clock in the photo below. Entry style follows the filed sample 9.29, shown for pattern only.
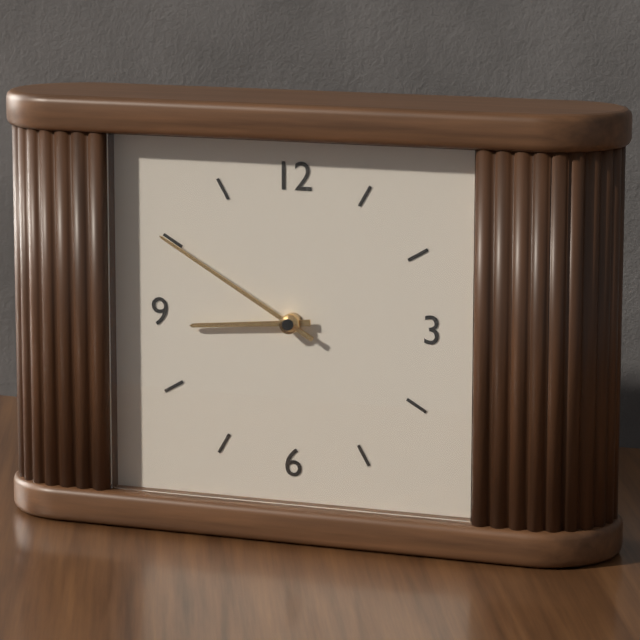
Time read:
8.50
